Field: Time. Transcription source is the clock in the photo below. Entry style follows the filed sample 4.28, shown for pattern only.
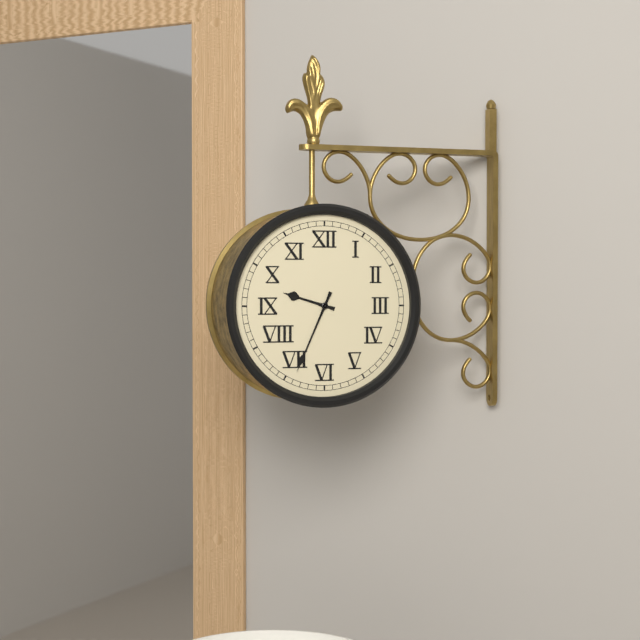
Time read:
9.34
